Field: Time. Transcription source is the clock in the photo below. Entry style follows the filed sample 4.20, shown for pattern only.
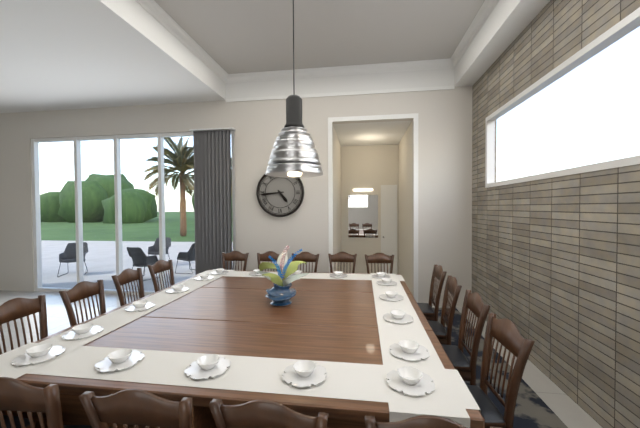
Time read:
4.44
